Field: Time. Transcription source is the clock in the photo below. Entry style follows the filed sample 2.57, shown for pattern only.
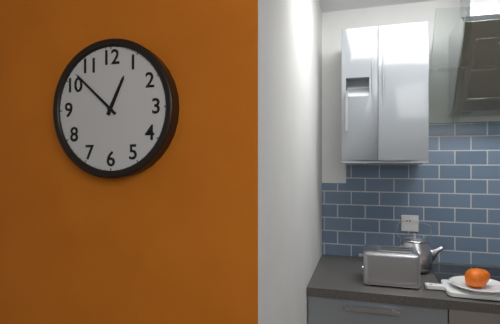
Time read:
12.52
